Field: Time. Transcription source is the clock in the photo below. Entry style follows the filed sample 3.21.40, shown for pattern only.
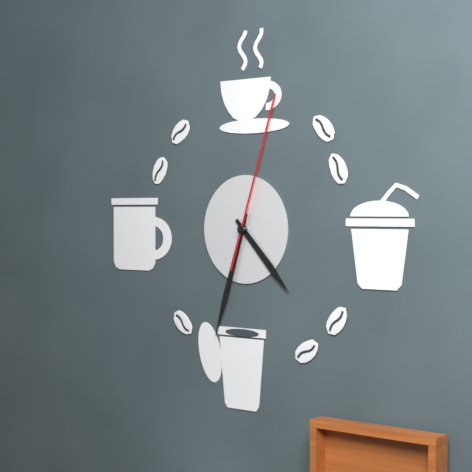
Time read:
4.33.03
